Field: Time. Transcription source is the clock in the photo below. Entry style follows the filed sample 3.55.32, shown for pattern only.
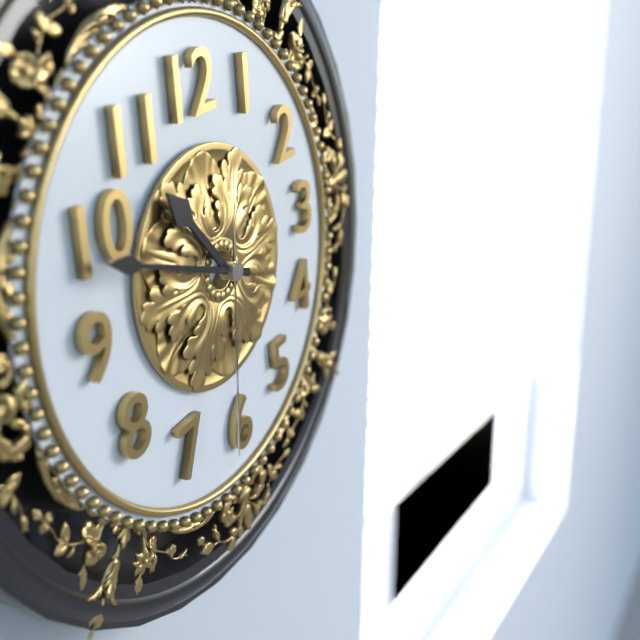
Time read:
10.49.32
